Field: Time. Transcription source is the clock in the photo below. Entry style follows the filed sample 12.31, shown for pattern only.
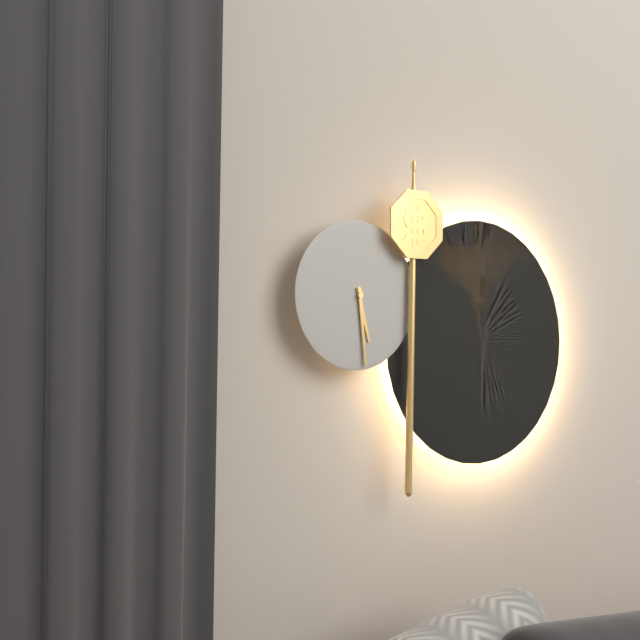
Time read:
5.29
